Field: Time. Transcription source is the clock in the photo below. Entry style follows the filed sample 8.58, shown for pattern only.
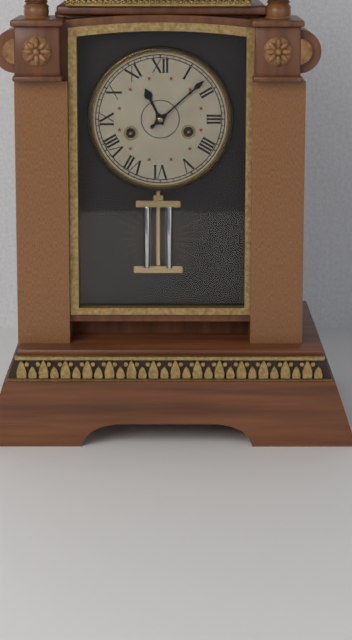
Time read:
11.08
